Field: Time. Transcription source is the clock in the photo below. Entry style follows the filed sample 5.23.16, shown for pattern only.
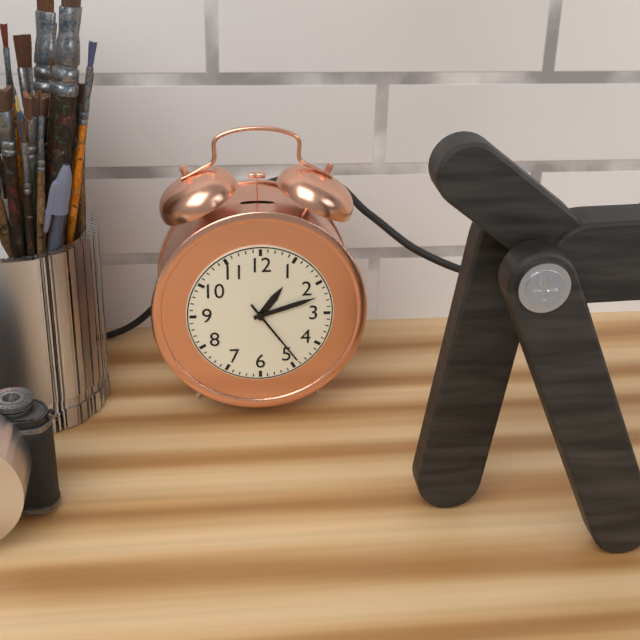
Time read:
1.12.24
